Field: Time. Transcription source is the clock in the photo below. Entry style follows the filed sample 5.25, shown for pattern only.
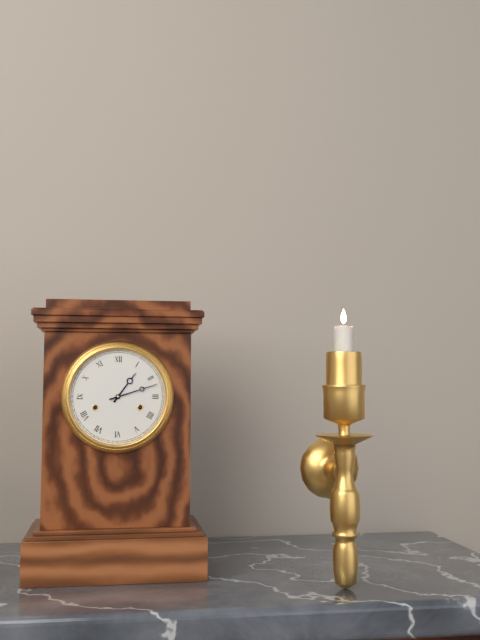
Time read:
1.12
